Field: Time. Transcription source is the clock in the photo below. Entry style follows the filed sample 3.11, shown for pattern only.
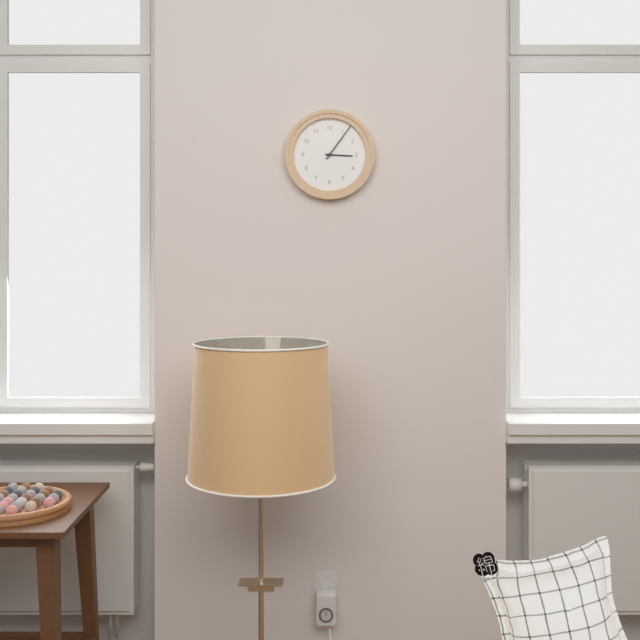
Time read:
3.06
